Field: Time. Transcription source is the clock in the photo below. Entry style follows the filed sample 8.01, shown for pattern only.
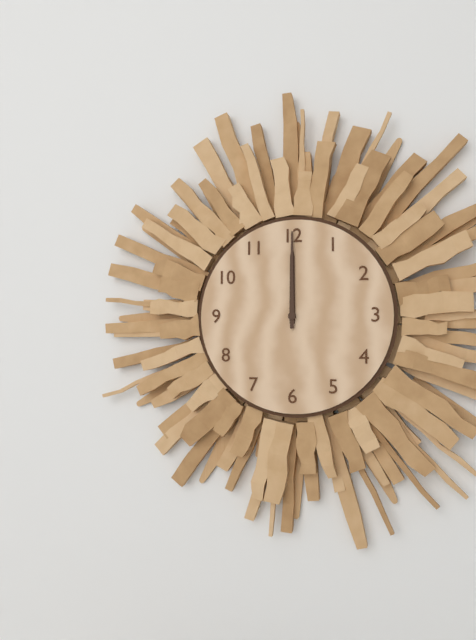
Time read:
12.00
